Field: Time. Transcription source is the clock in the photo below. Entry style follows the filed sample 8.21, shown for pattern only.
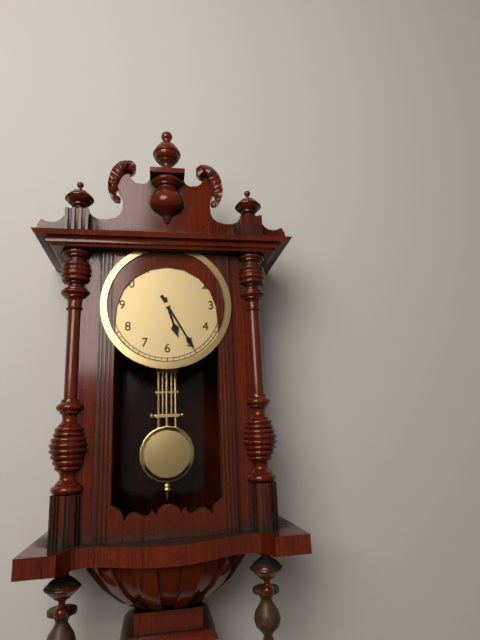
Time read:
5.25
